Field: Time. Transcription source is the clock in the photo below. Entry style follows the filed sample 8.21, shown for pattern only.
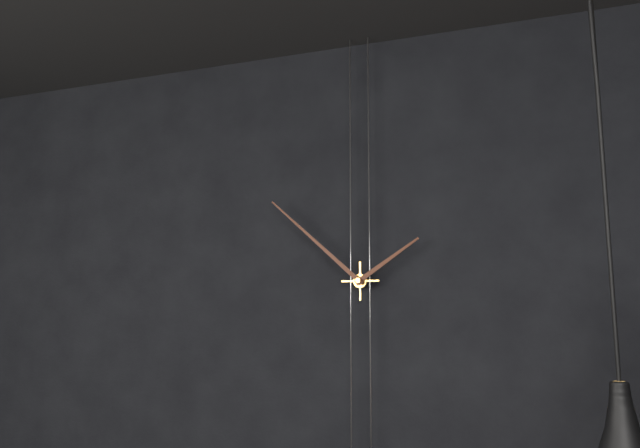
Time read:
1.52
